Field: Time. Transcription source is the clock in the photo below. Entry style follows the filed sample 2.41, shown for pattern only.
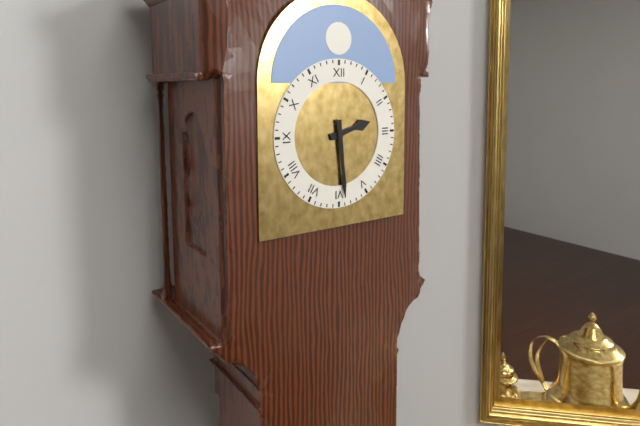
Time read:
2.29
